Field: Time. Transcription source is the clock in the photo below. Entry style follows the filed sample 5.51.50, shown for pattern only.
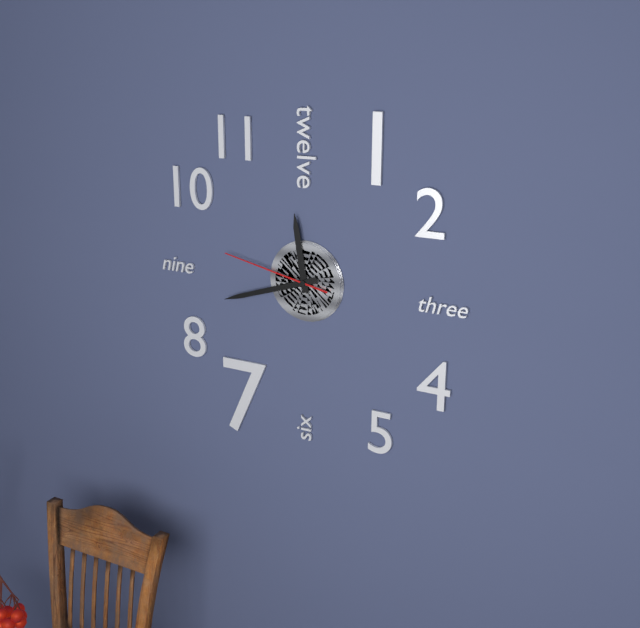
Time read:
11.42.47
